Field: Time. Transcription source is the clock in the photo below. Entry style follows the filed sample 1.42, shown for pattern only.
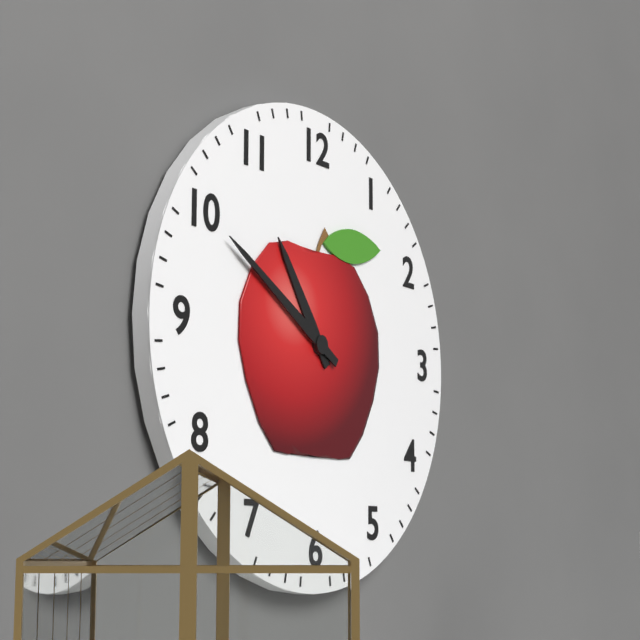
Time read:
10.50
